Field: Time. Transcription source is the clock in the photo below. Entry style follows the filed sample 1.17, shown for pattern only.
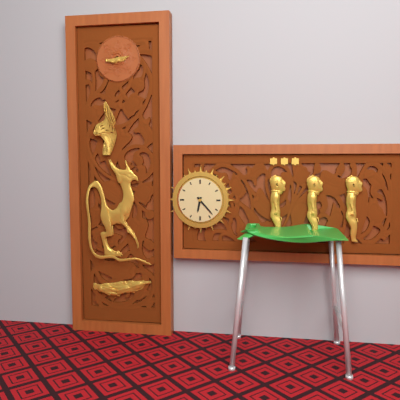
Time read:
6.23
